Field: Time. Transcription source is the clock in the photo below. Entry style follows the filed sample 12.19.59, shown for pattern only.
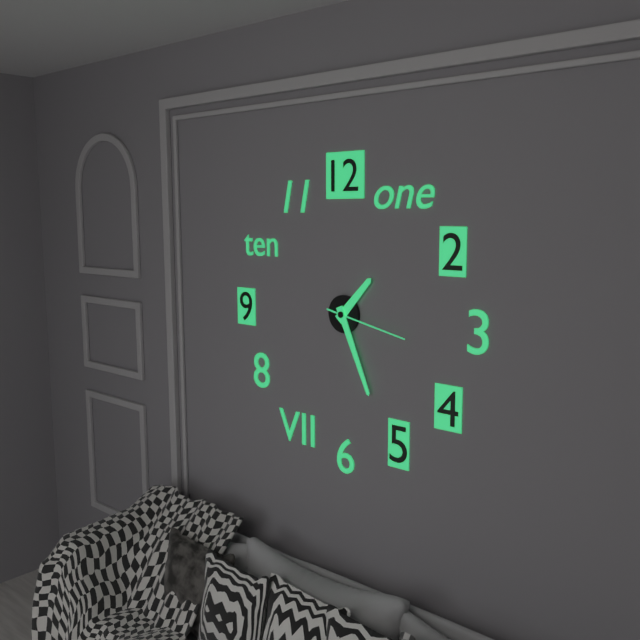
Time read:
1.26.17
